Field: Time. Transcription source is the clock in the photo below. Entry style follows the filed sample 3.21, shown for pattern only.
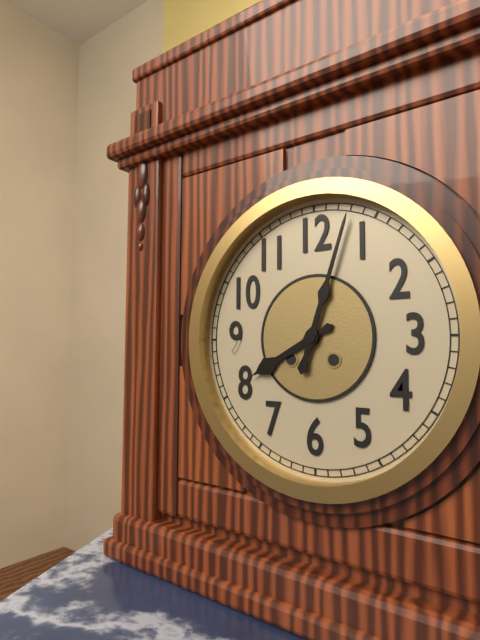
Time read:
8.03
